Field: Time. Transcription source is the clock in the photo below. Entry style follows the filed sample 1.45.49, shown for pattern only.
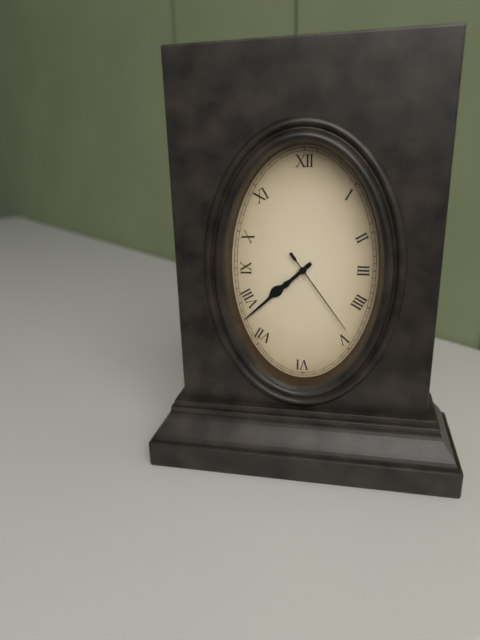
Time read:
7.38.24
